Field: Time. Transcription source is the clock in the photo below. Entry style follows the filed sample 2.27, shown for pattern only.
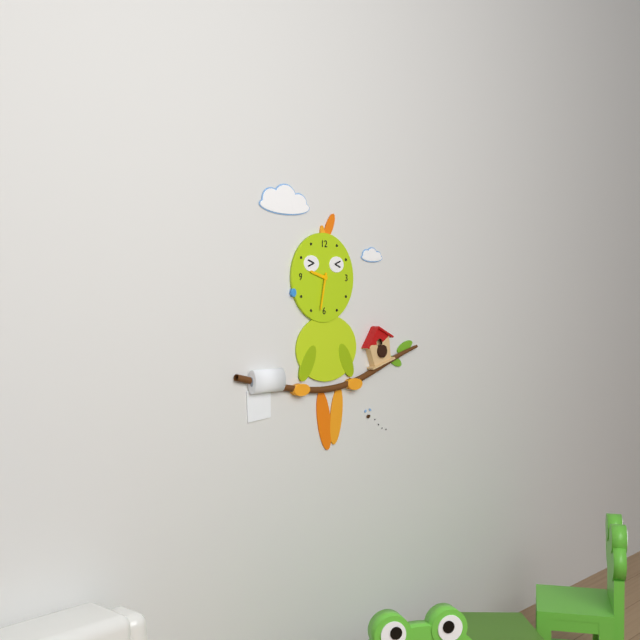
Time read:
9.32
